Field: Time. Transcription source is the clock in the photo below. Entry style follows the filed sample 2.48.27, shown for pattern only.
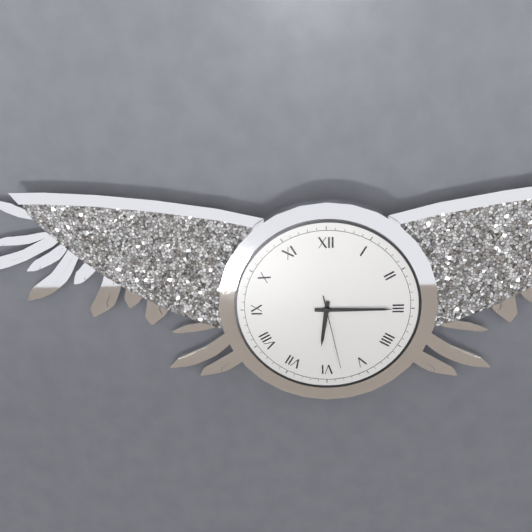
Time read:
6.15.28
